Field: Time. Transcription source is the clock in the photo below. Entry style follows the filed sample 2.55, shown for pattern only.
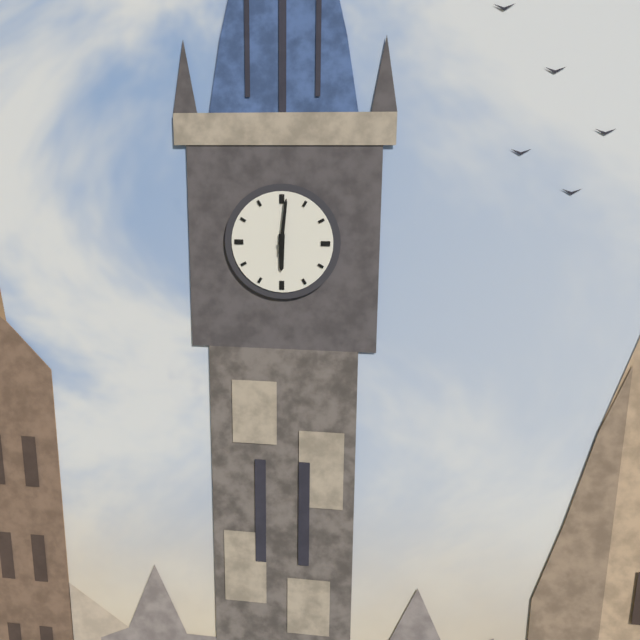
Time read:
6.01
